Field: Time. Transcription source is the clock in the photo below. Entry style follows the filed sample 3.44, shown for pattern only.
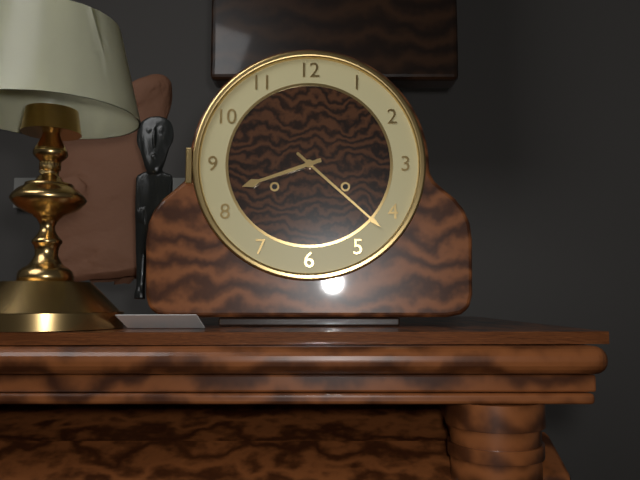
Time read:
8.22
